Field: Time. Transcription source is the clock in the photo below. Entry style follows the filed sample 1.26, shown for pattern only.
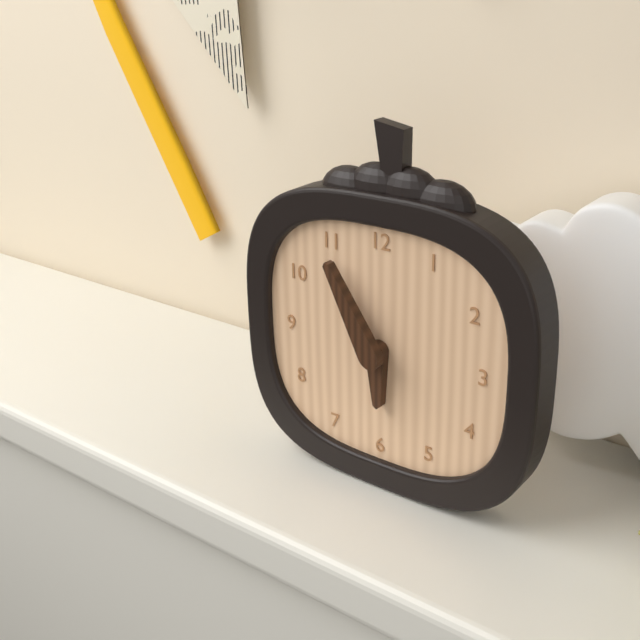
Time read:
5.55
